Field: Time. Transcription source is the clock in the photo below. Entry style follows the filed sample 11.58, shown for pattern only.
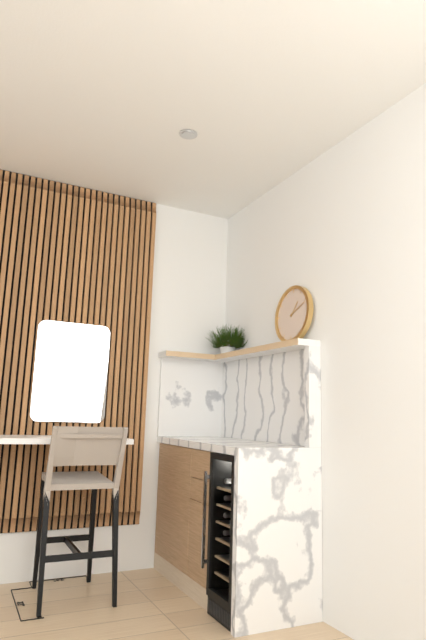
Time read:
1.11
